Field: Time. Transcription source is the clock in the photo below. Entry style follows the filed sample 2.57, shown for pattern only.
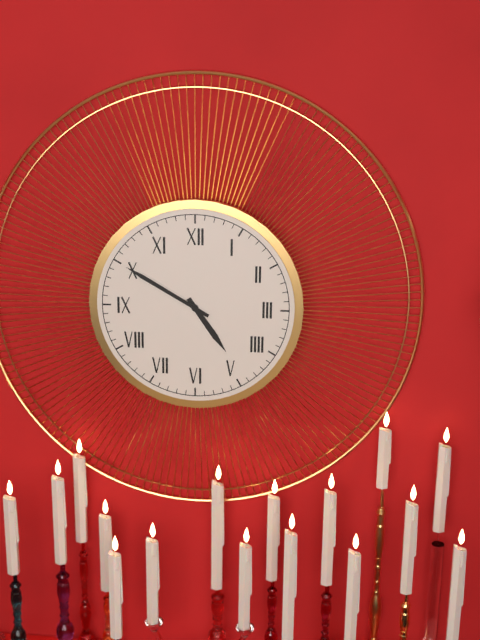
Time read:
4.50
